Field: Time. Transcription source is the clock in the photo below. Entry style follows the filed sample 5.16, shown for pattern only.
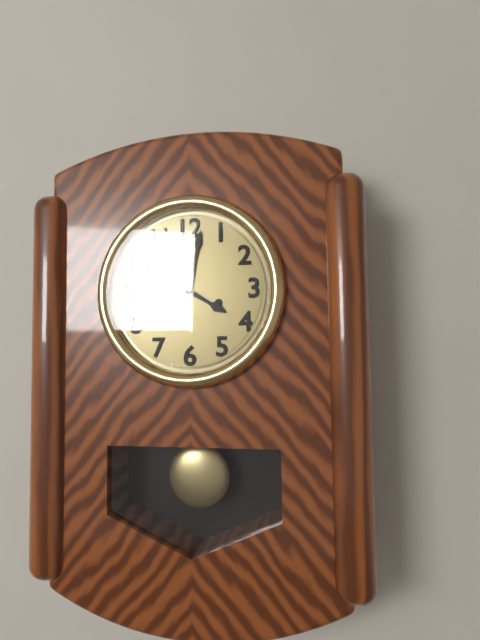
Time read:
4.02
